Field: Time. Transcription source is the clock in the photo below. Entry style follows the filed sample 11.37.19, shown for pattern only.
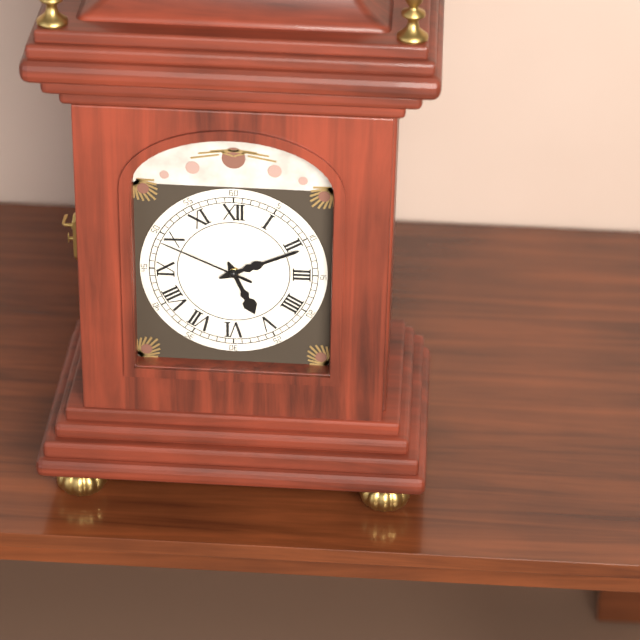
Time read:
5.11.49
